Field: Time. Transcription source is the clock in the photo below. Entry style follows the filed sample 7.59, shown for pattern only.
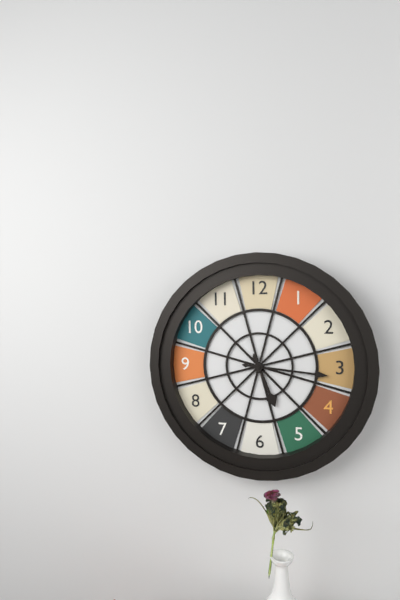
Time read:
5.16
